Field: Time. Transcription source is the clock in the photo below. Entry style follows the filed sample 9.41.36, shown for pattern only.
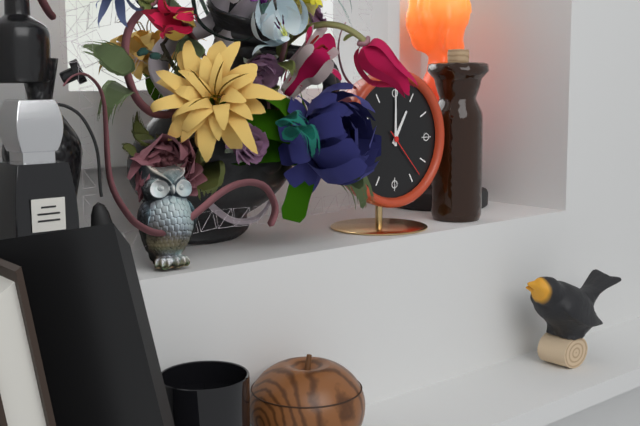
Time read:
1.00.23
